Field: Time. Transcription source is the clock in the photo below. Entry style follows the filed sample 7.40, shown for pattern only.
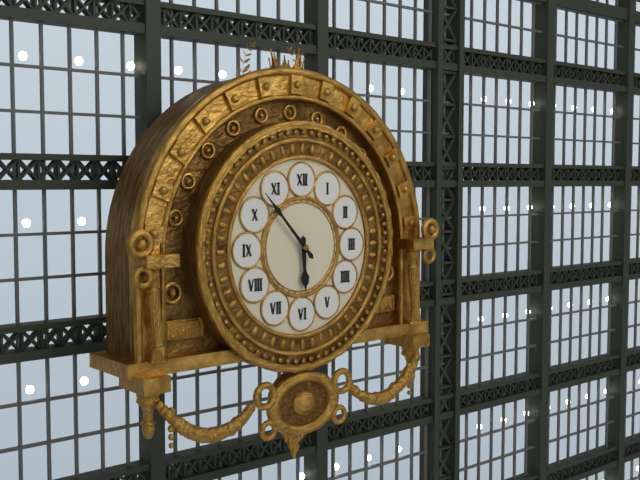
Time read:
5.53
